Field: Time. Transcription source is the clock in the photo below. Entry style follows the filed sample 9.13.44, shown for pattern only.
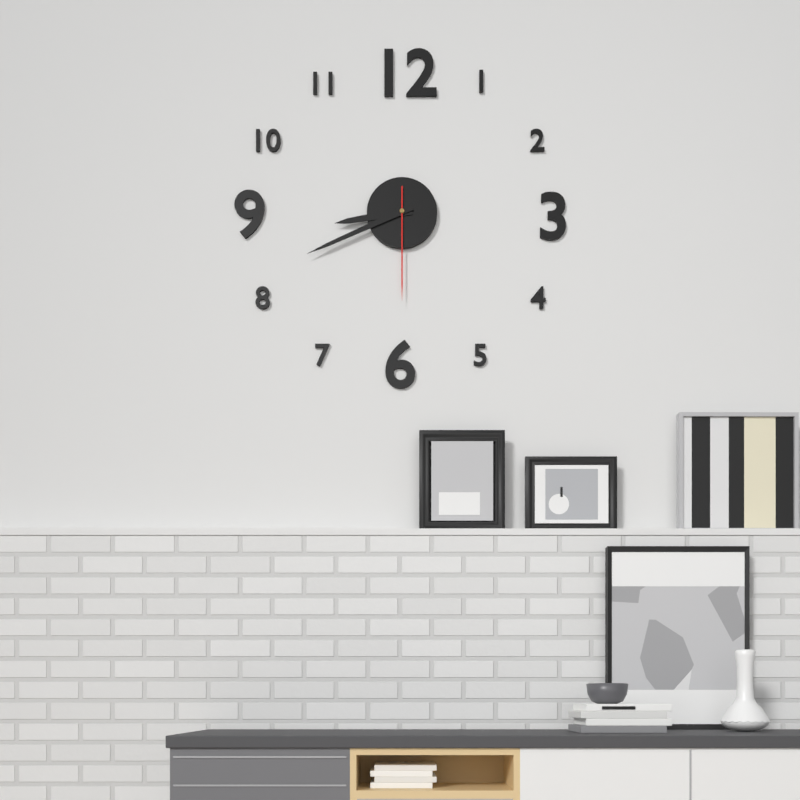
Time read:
8.41.30
